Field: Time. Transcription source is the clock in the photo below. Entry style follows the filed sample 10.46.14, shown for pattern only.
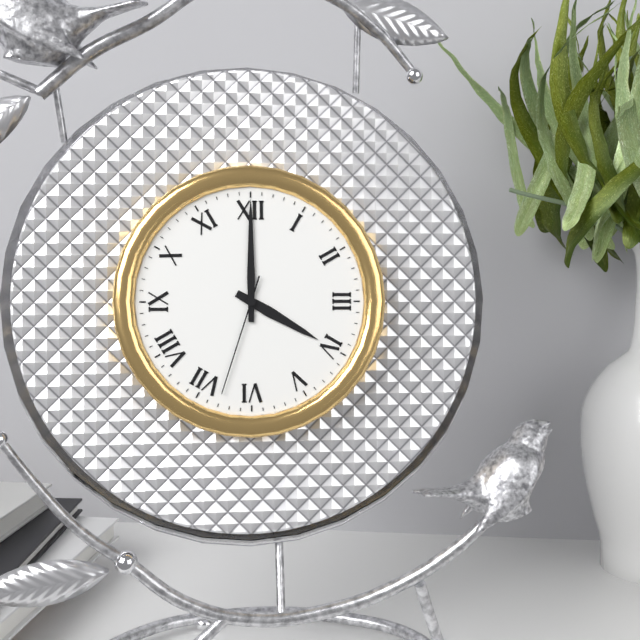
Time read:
4.00.33
